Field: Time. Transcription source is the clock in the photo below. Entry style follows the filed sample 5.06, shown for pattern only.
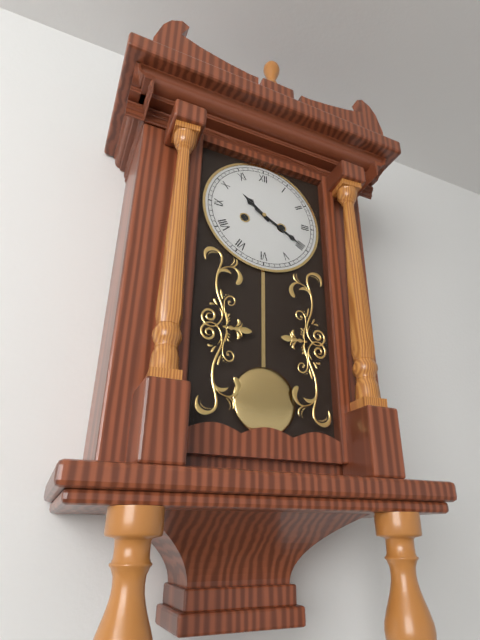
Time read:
10.20
